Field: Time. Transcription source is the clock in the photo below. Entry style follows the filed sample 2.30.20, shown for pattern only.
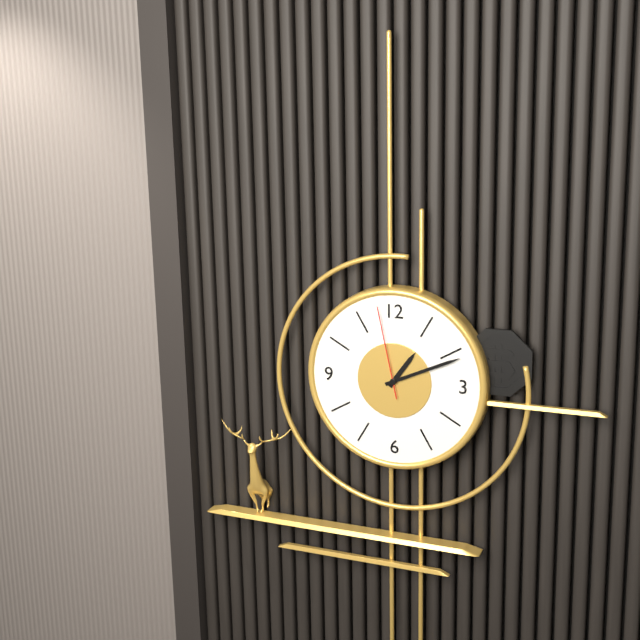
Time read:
1.11.58
